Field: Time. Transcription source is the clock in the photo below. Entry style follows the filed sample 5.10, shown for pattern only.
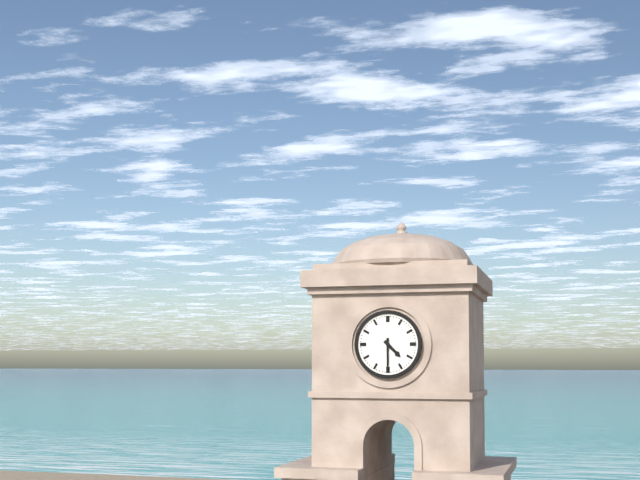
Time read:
4.30
